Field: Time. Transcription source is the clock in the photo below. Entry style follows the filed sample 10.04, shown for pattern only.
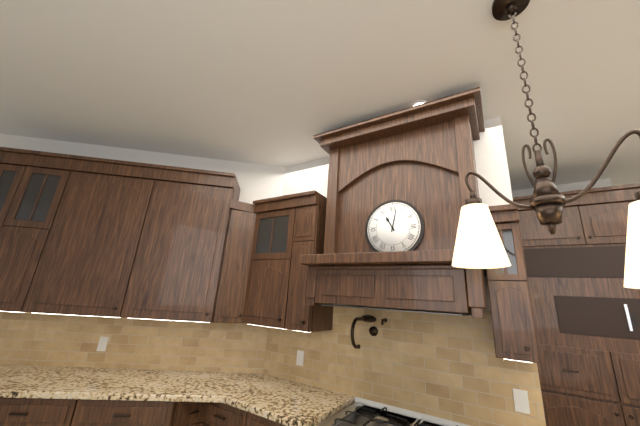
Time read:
11.02
